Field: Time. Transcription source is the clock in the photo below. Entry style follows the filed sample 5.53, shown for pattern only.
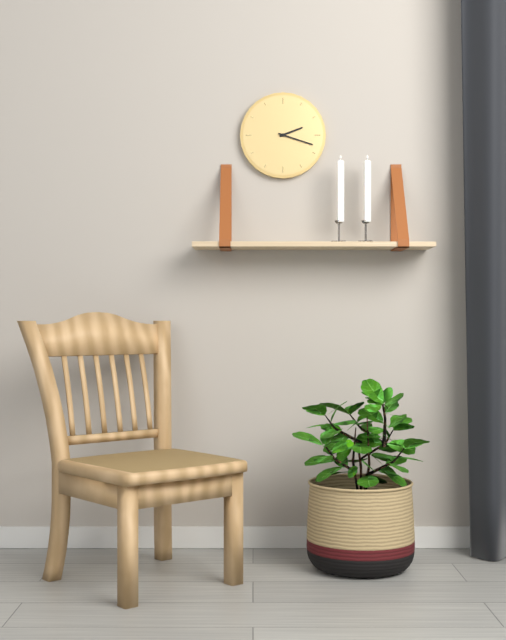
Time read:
2.18
